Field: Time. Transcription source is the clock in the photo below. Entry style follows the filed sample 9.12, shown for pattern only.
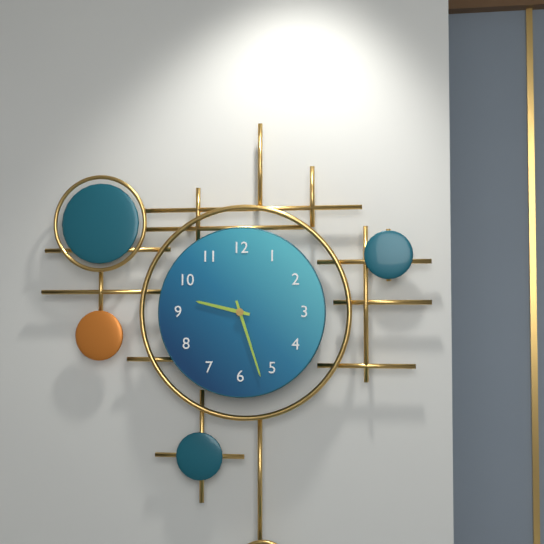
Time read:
9.27
